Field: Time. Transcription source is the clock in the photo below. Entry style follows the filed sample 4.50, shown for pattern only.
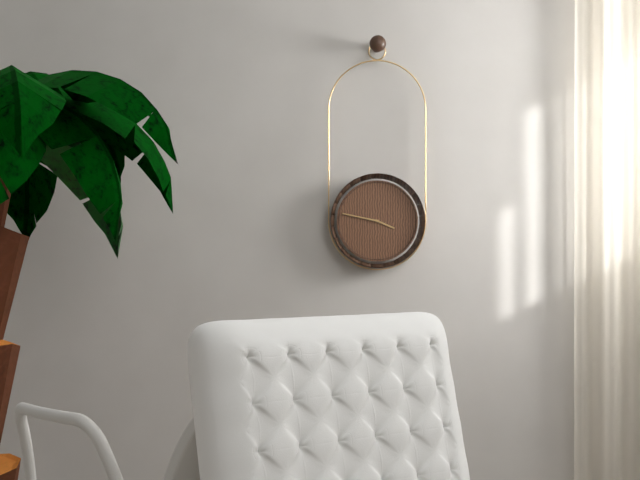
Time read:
3.47
